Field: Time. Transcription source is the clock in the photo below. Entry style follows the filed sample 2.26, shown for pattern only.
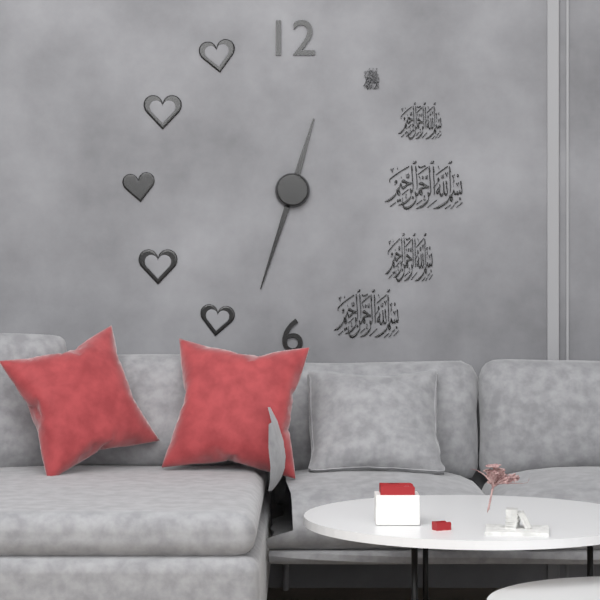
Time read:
12.33
